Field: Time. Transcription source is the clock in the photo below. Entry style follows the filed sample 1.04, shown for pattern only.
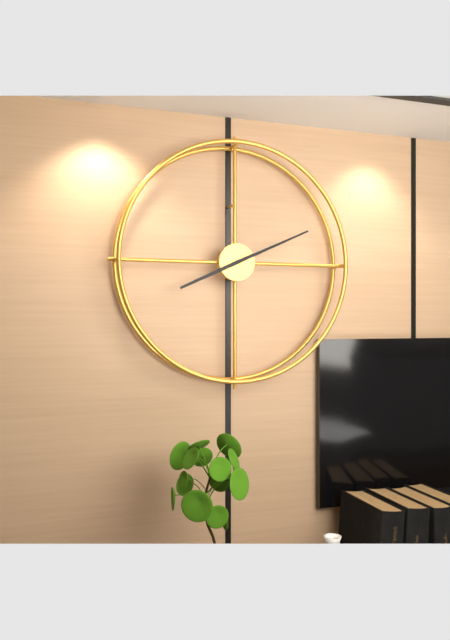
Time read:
8.11
